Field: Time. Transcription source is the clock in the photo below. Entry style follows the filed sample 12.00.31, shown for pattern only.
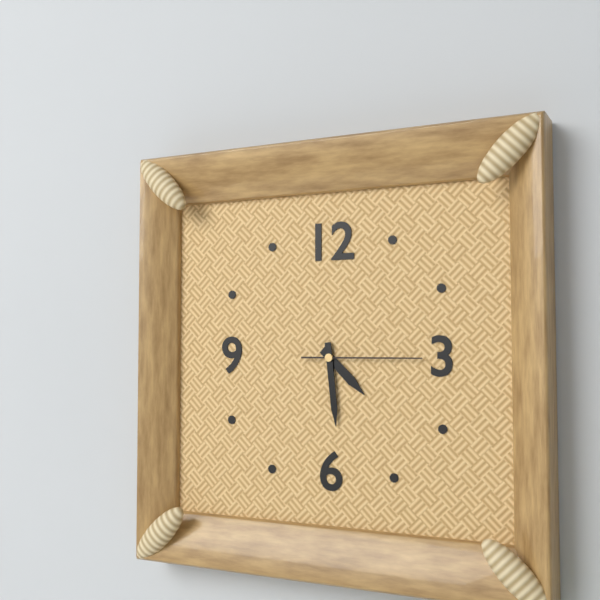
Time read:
4.29.15
